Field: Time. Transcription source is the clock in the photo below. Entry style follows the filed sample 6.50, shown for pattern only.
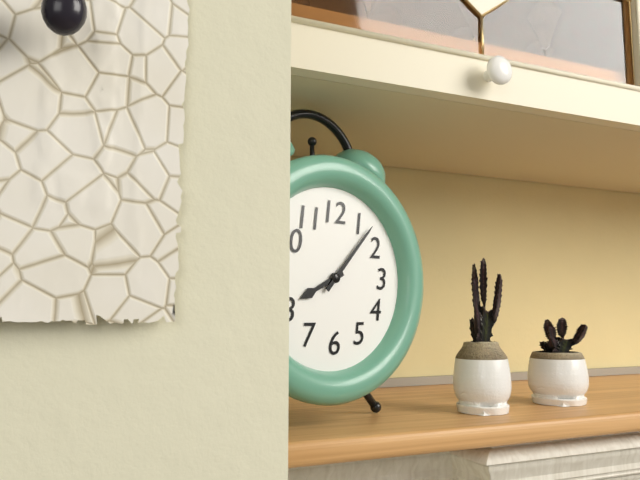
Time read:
8.07
